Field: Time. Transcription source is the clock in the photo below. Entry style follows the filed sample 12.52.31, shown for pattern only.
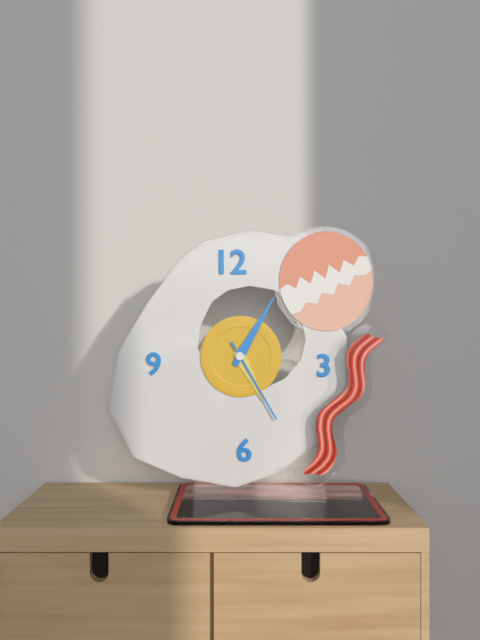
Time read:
5.05.25
